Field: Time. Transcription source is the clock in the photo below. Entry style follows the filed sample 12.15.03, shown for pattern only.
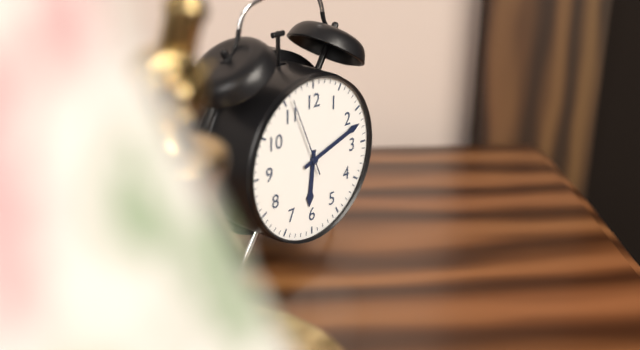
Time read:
6.12.56
